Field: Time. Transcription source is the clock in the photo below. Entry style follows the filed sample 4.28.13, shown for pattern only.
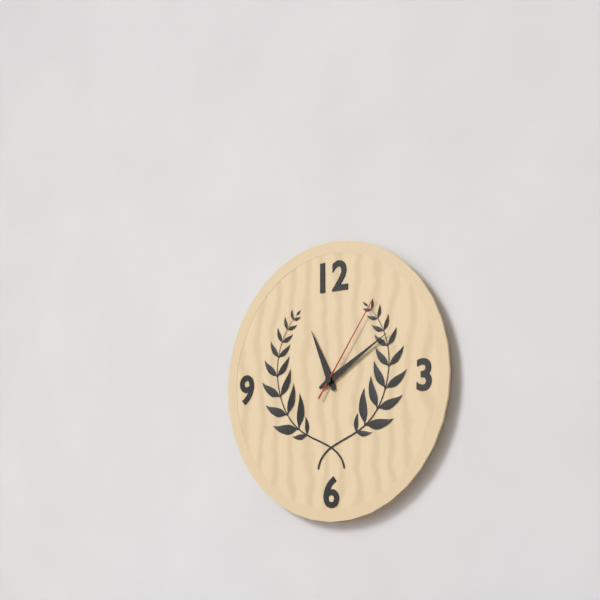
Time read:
11.10.06
